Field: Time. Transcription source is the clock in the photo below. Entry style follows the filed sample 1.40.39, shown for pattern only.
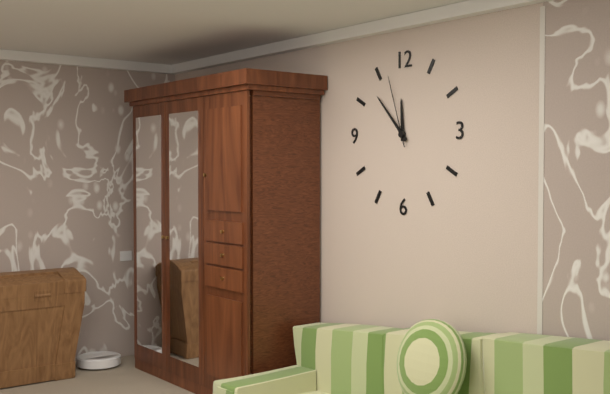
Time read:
11.53.57
